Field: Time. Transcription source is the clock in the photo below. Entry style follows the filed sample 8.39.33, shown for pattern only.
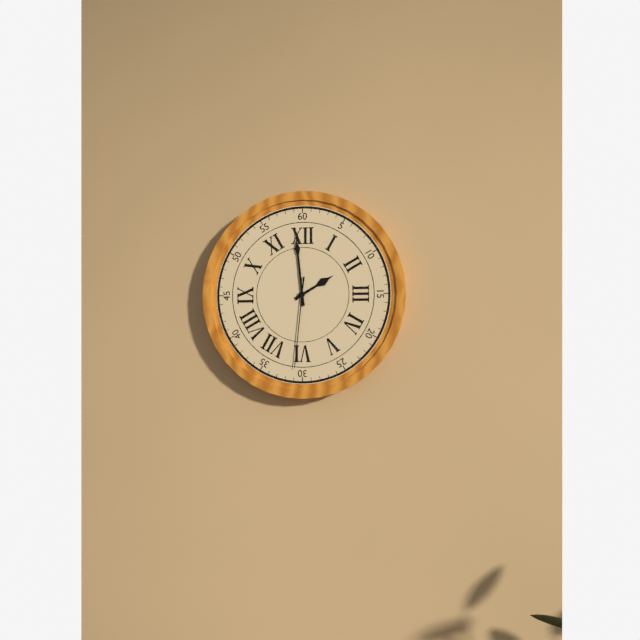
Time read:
1.59.31
